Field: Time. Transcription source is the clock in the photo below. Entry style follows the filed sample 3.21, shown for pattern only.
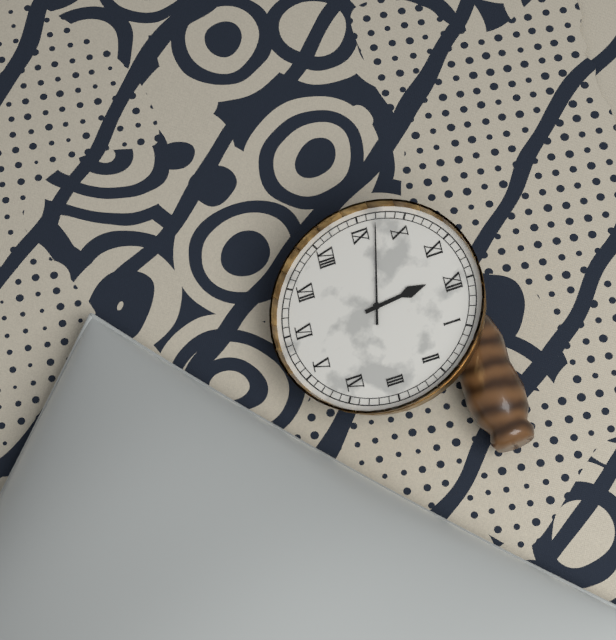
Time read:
11.47
